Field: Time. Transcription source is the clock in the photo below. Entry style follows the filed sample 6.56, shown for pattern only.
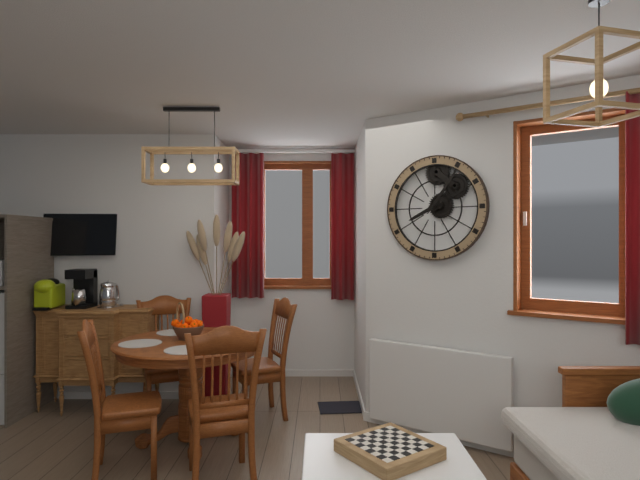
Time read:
8.06
